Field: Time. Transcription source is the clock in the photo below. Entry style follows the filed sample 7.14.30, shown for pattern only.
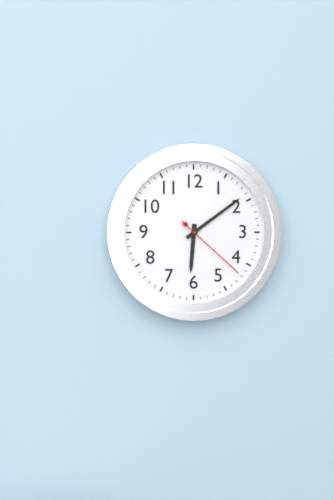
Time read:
6.09.22
